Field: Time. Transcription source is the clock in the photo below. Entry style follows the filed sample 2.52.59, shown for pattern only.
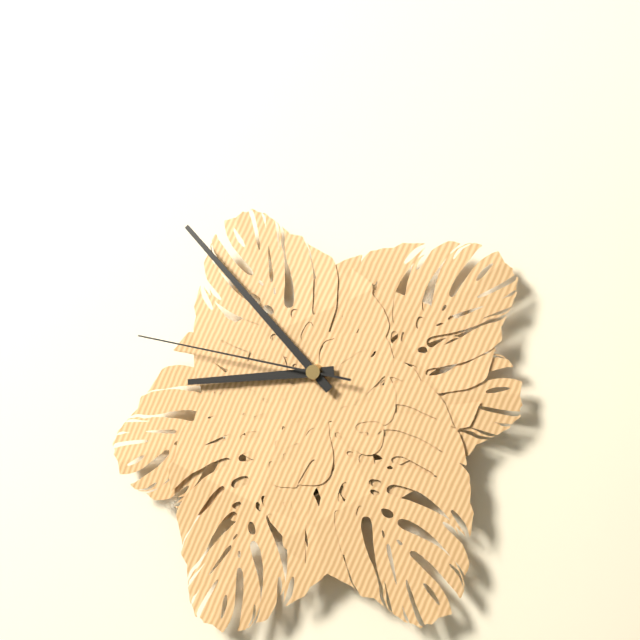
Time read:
8.53.47
